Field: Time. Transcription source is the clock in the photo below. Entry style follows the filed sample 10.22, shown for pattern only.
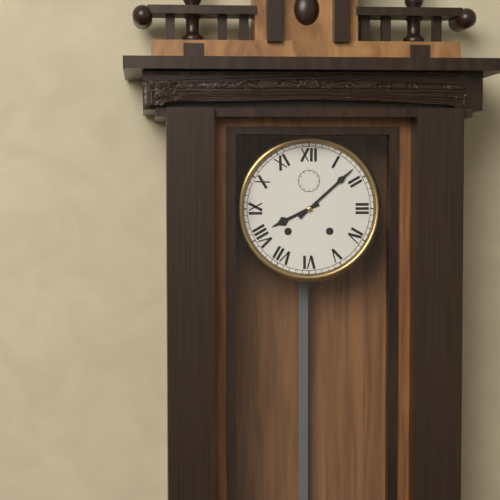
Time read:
8.08
